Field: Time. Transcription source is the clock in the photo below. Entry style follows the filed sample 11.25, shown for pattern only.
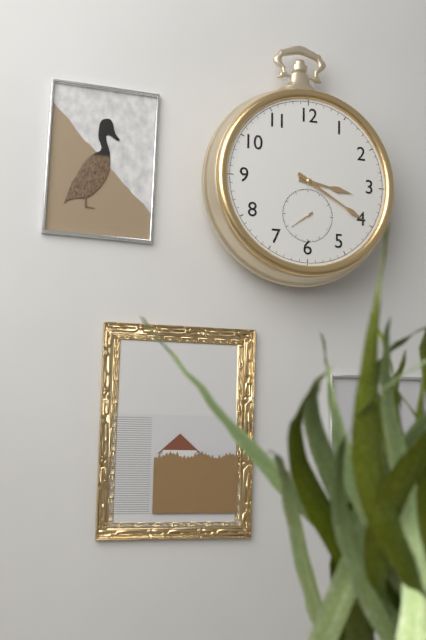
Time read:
3.20
